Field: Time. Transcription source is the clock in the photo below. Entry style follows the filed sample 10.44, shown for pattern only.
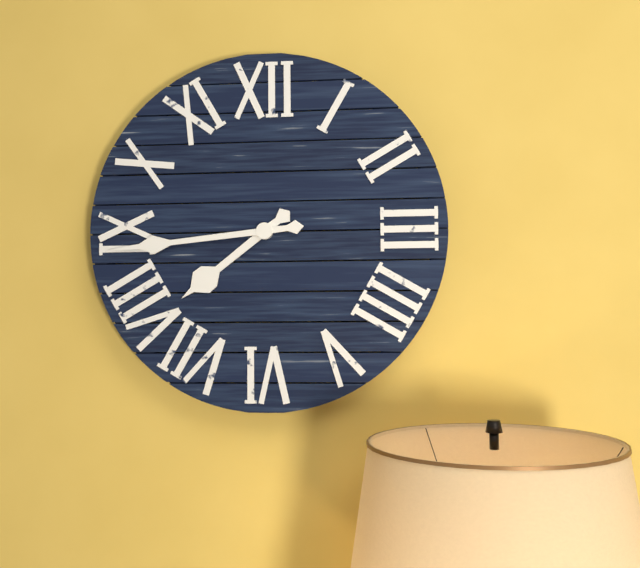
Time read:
7.44
